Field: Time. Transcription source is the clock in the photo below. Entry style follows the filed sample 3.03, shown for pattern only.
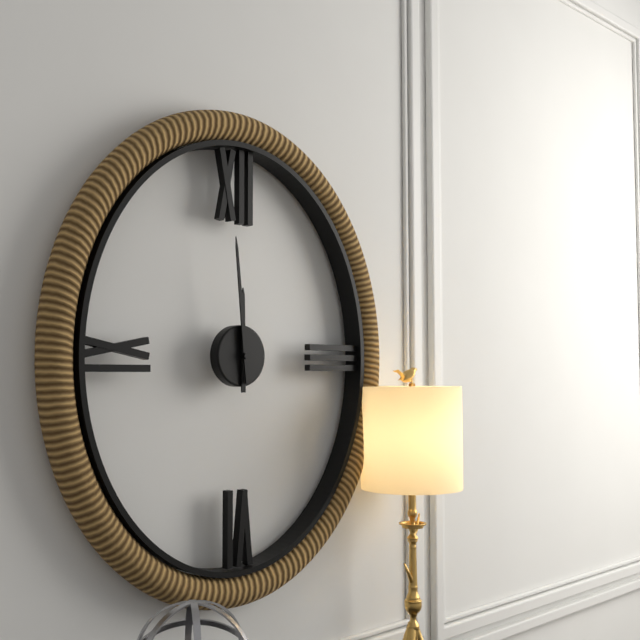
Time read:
11.59
